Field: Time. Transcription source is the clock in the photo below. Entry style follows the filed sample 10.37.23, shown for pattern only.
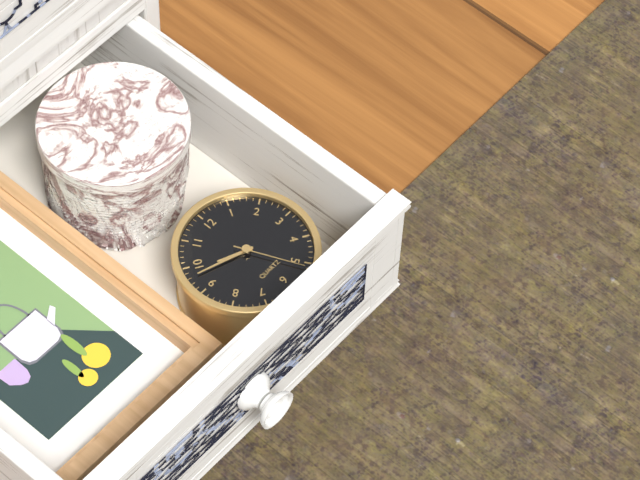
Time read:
9.48.26
